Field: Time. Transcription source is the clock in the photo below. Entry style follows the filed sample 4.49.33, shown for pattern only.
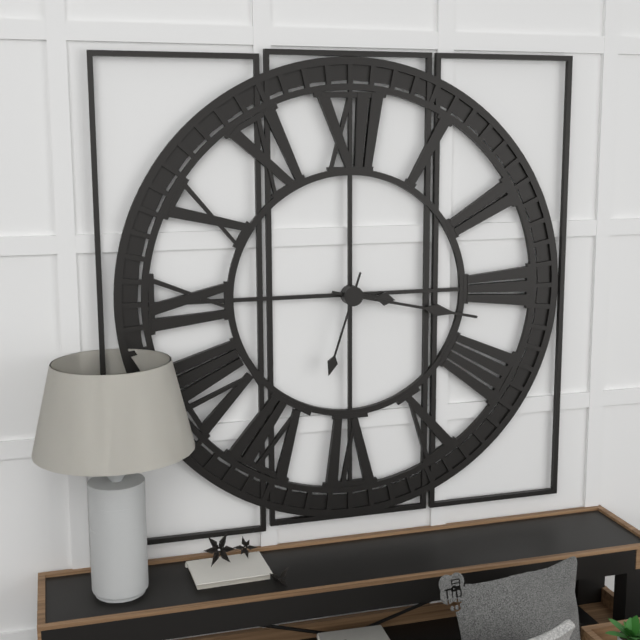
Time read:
3.17.33
